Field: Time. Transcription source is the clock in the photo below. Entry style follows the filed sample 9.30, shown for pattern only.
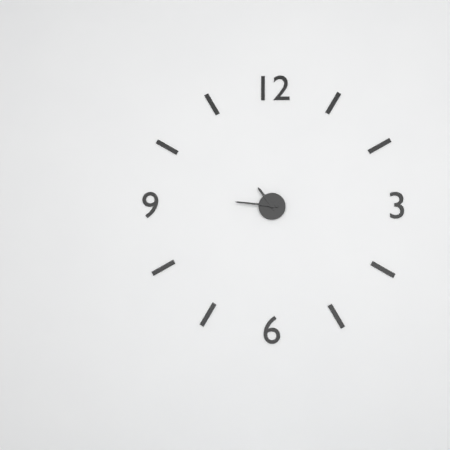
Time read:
10.46
